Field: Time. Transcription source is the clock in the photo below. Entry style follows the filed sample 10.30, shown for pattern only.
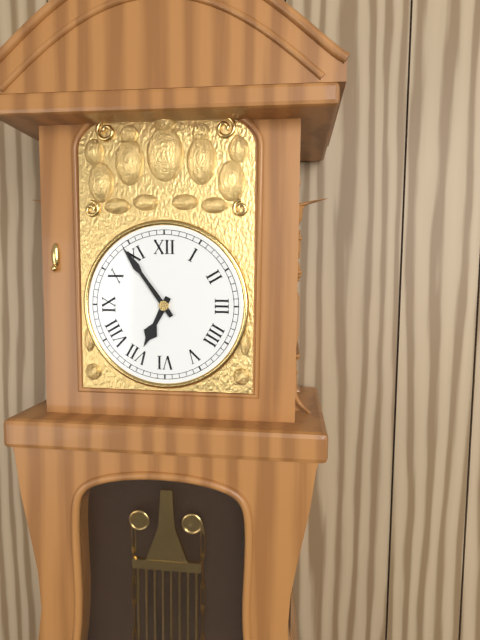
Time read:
6.54
